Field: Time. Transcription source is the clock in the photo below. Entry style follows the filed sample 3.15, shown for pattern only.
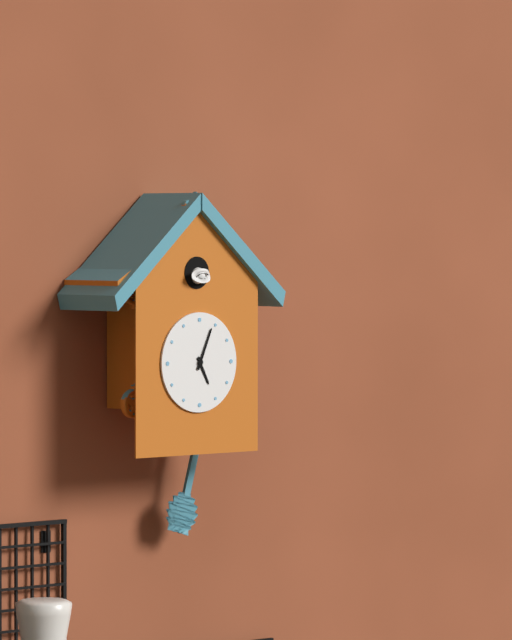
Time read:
5.04
